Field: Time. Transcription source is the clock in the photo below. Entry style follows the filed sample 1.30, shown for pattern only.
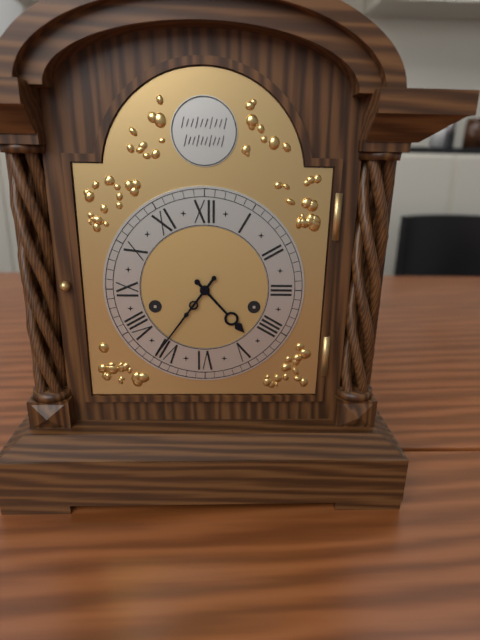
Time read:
4.36
